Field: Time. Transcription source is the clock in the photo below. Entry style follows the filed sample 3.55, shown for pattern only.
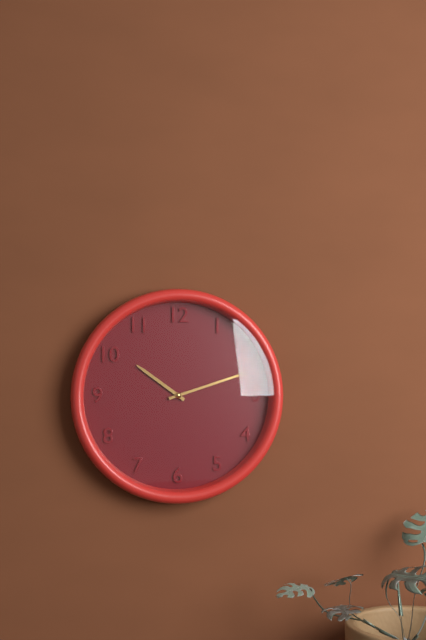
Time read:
10.12
